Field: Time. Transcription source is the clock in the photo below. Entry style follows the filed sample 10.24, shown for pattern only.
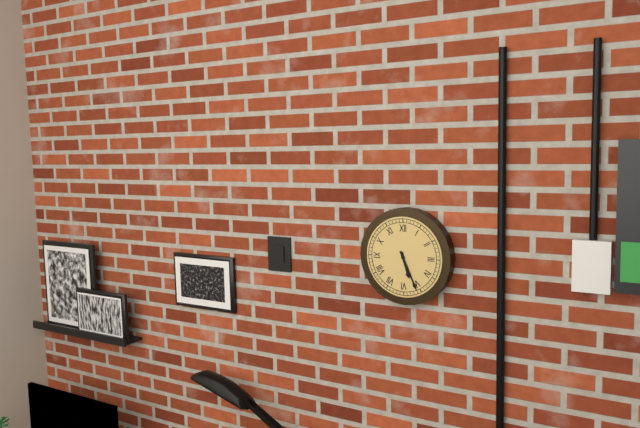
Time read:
5.26
